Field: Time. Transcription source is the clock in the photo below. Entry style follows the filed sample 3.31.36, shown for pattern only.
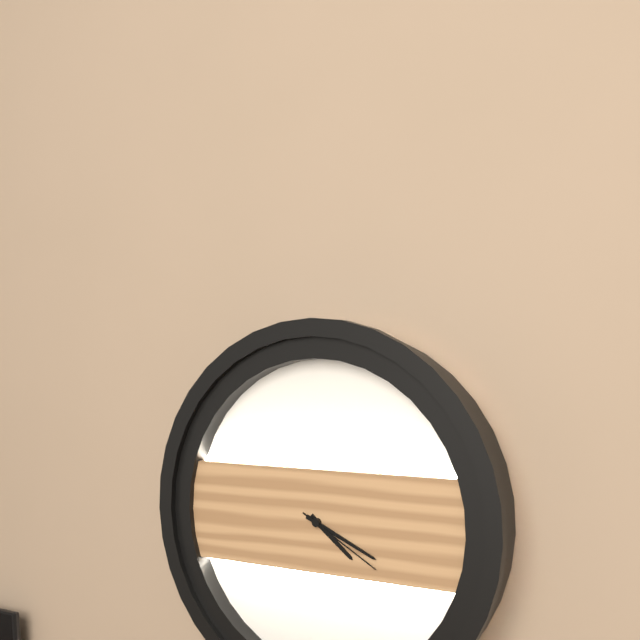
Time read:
4.19.20
